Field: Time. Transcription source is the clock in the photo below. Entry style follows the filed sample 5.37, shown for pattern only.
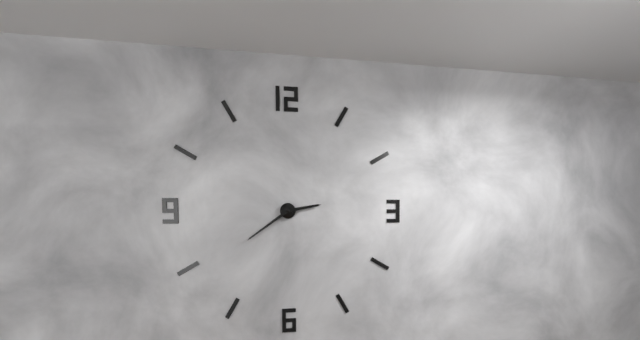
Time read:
2.39
